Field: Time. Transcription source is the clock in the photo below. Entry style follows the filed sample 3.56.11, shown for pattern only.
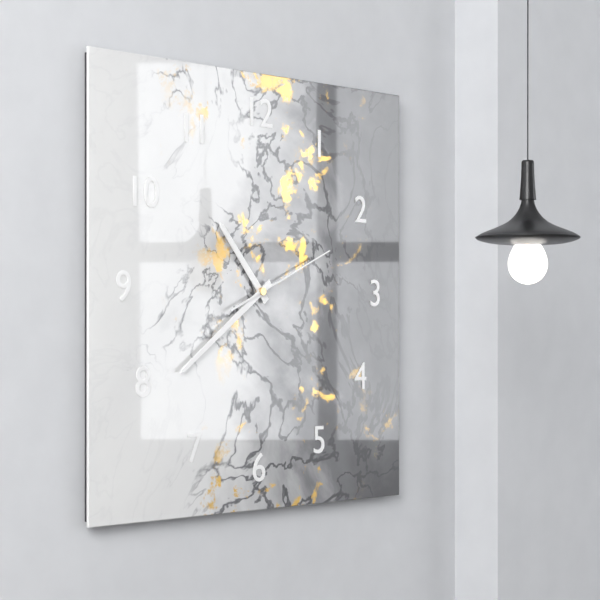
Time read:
10.39.11
